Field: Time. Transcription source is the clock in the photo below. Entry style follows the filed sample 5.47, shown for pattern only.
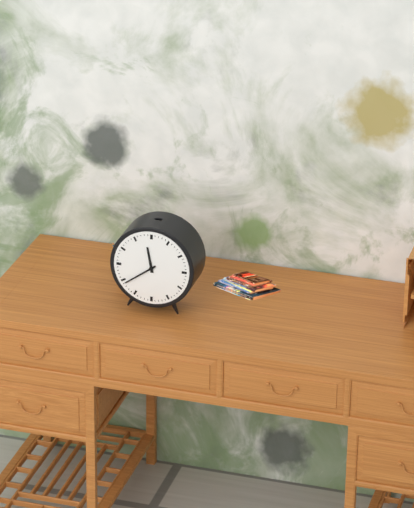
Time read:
11.39
